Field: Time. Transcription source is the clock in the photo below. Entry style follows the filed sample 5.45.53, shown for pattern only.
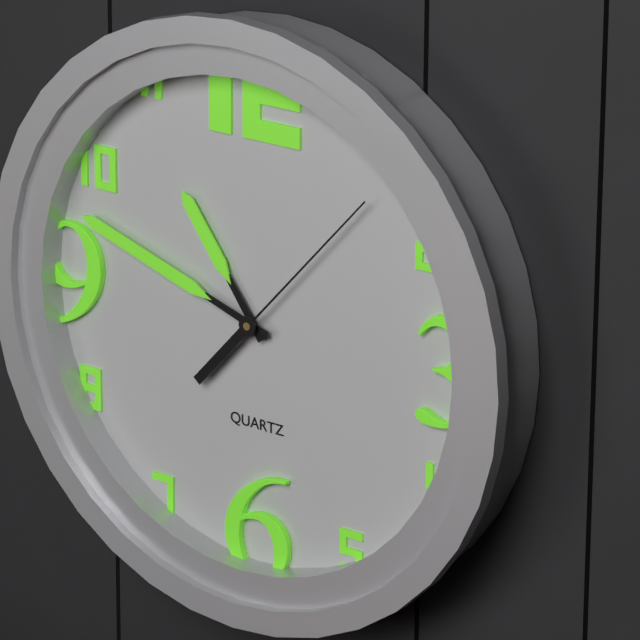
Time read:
10.48.07
